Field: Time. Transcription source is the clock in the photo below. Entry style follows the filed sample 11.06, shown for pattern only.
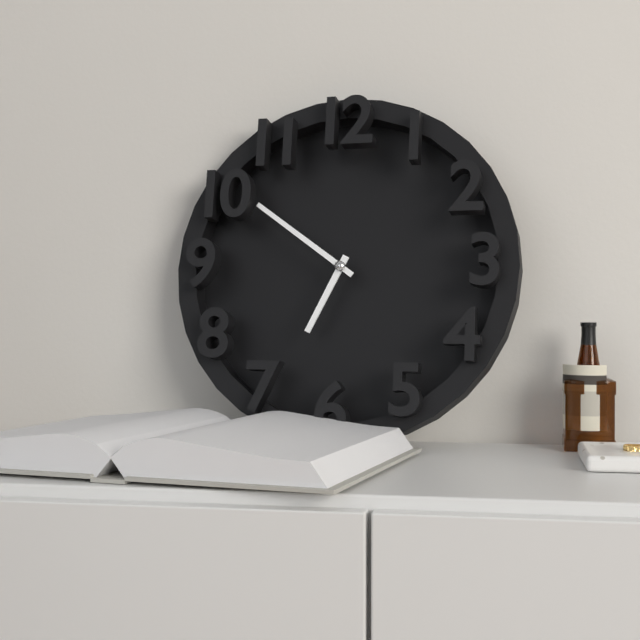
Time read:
6.51
